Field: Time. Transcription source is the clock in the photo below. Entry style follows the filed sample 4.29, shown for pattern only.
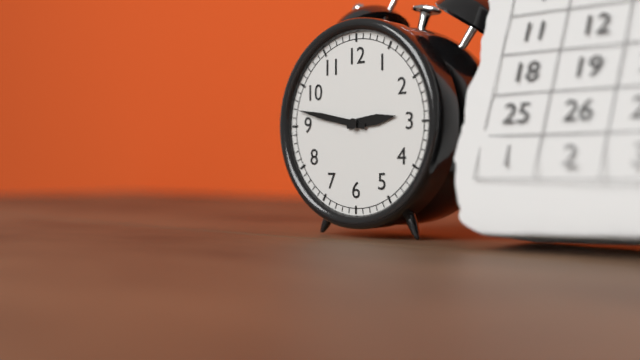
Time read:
2.47
